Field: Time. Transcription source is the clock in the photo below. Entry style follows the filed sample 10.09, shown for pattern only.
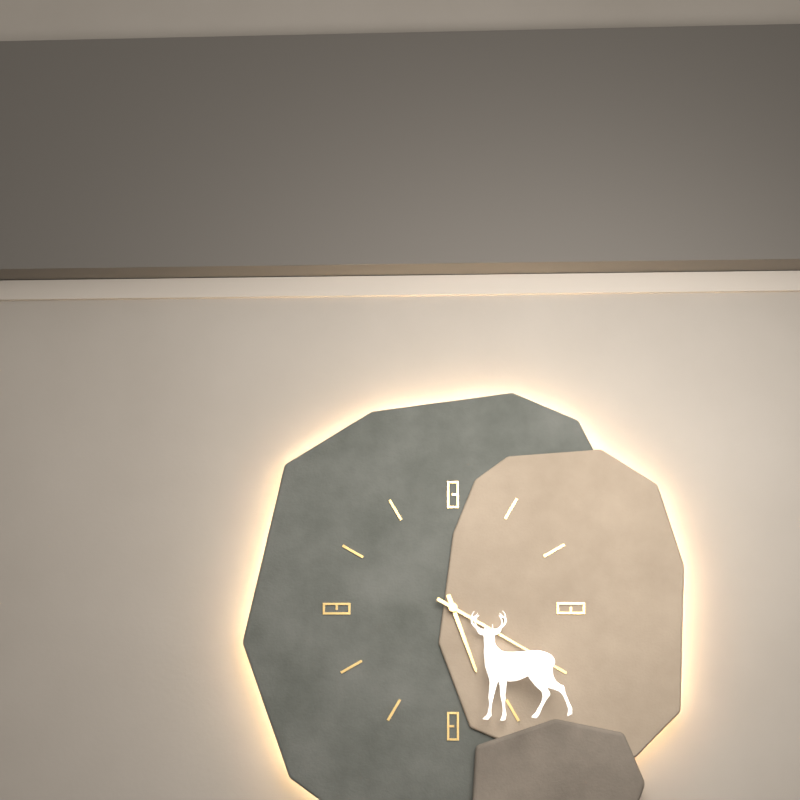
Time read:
5.20
